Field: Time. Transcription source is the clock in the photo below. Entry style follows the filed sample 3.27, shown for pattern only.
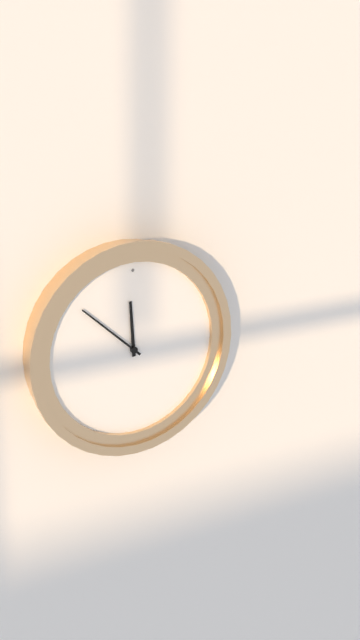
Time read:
11.52
